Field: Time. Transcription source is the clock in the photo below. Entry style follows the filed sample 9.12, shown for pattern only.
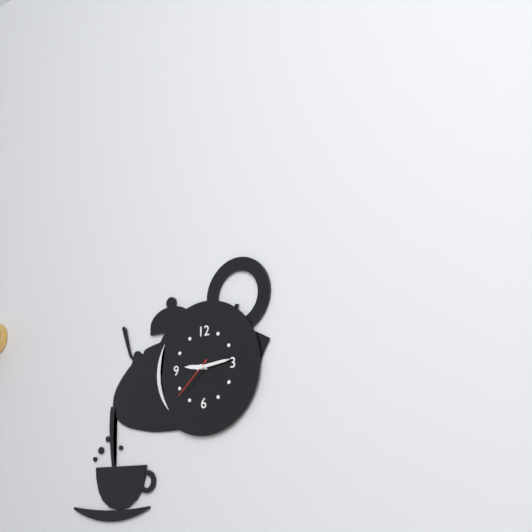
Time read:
9.14
